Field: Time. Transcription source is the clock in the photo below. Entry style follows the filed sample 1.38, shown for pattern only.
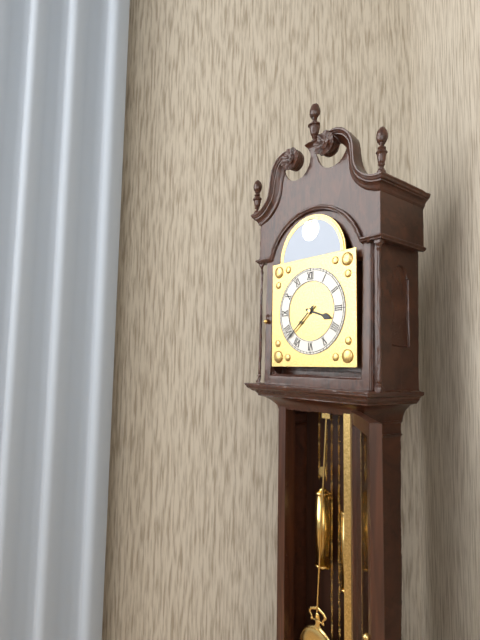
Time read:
3.38
